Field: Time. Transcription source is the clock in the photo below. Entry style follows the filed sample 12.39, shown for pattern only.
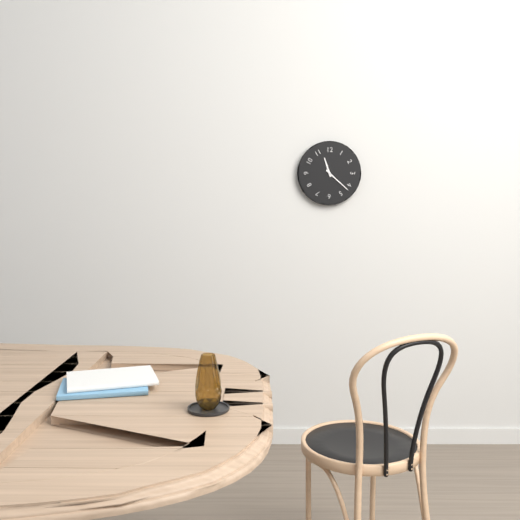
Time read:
11.22
